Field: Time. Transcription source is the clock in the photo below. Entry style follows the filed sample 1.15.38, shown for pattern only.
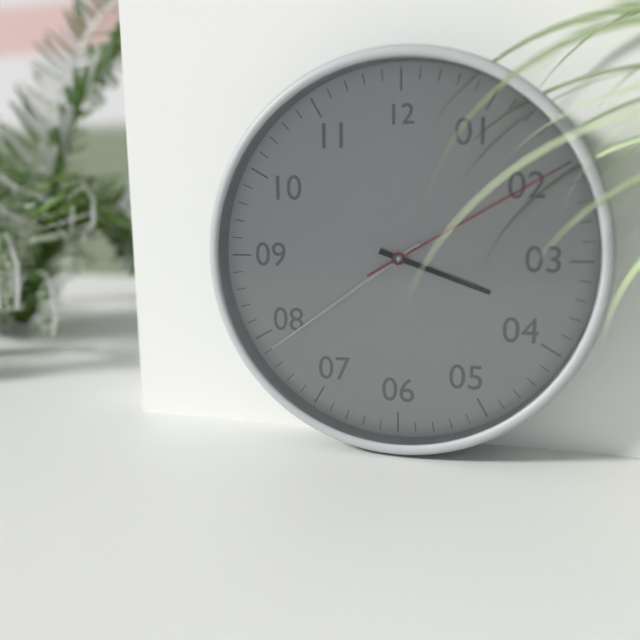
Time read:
3.39.10
